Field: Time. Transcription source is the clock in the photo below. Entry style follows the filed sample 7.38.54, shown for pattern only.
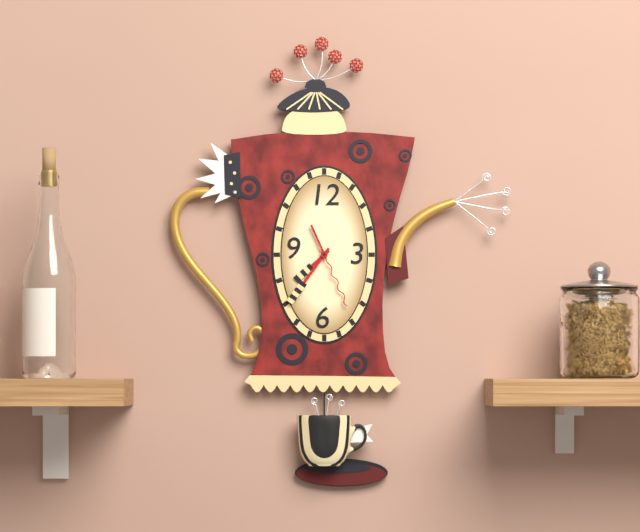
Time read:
7.36.26
